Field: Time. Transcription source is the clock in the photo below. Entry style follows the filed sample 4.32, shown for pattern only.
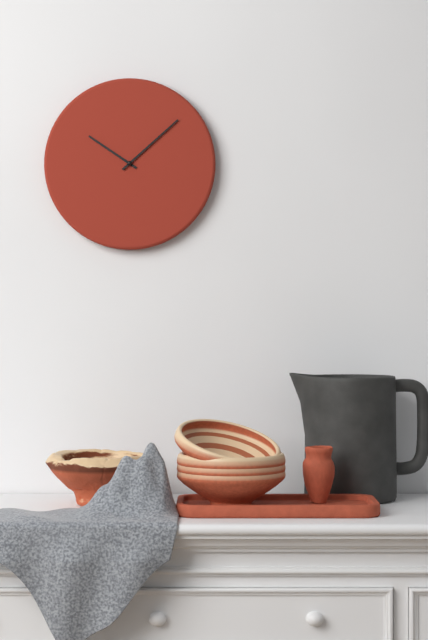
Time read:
10.08
